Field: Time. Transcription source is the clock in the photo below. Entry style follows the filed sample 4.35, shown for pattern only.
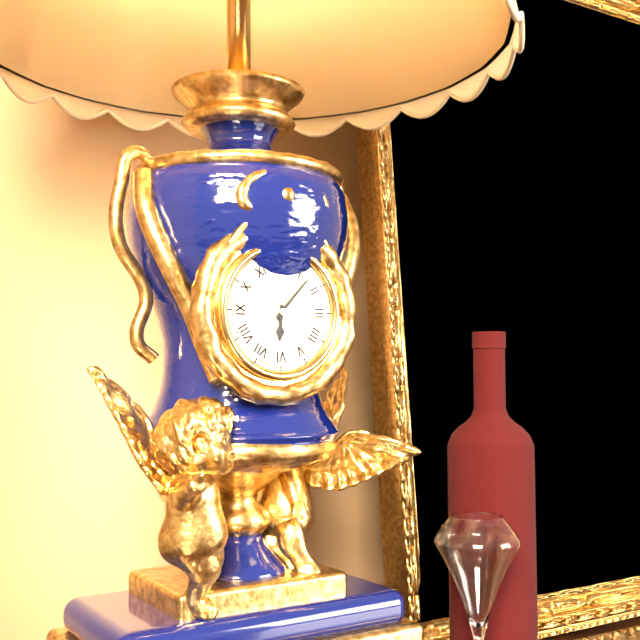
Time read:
6.07
